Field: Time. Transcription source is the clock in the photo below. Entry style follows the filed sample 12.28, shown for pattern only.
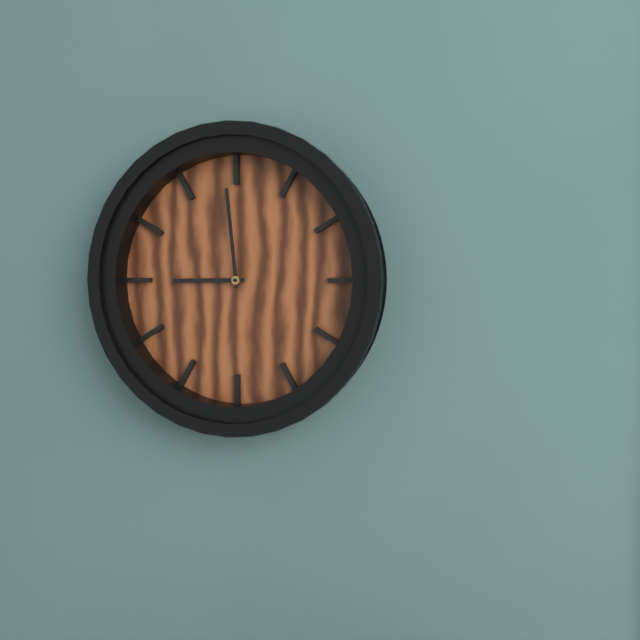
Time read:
8.59
